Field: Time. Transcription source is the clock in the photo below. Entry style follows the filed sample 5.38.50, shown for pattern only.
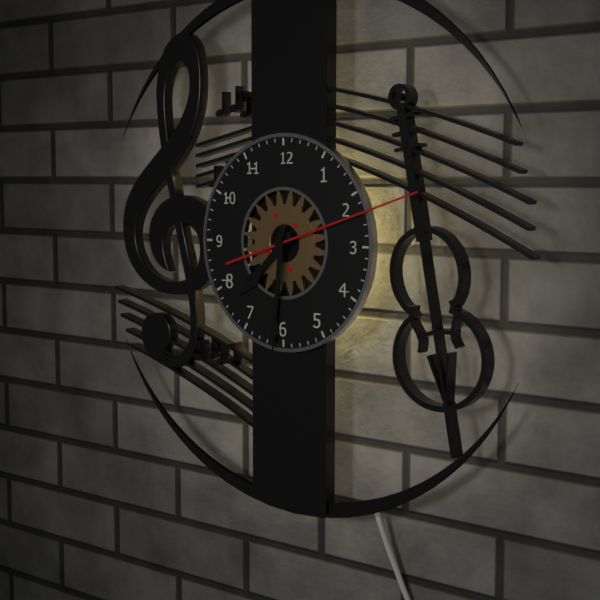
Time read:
7.31.12
